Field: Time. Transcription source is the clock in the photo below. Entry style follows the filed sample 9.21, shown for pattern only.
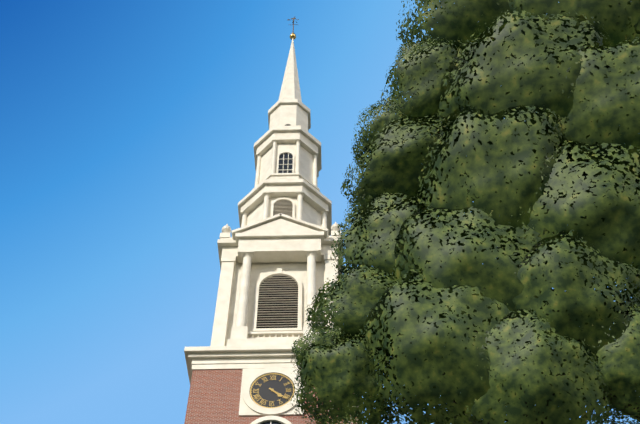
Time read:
4.21
